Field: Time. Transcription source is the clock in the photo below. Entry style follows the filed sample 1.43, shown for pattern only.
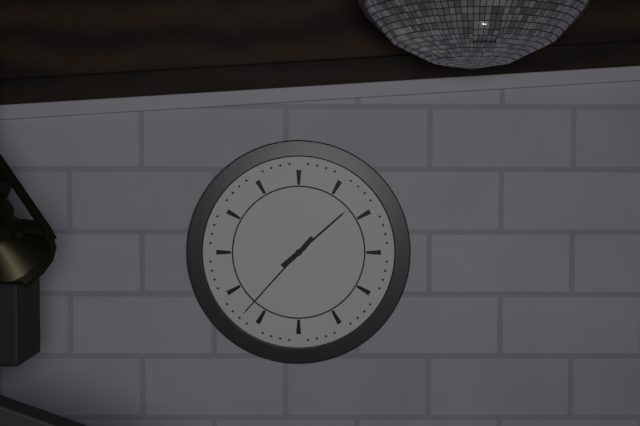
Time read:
1.37
